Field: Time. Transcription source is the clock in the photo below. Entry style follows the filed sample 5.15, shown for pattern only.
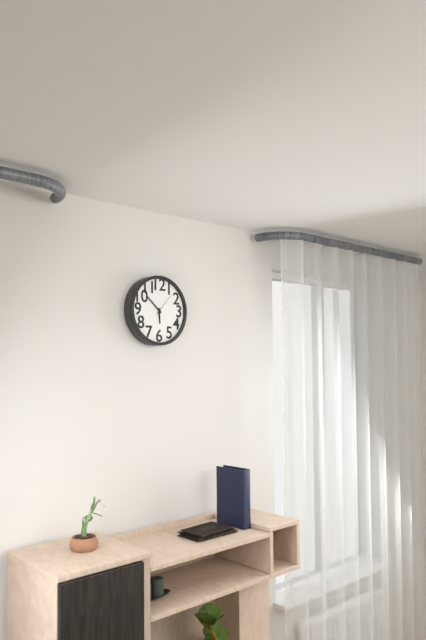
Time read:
5.52
